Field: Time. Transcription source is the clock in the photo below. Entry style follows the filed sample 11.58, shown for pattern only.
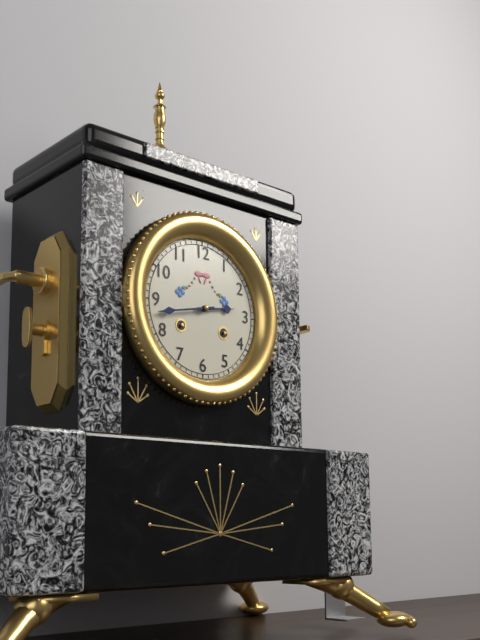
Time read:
2.43
